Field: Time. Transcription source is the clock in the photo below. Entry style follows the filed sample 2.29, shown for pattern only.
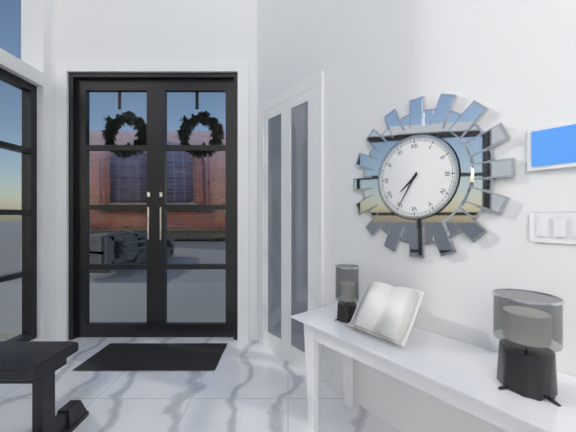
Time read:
7.35
